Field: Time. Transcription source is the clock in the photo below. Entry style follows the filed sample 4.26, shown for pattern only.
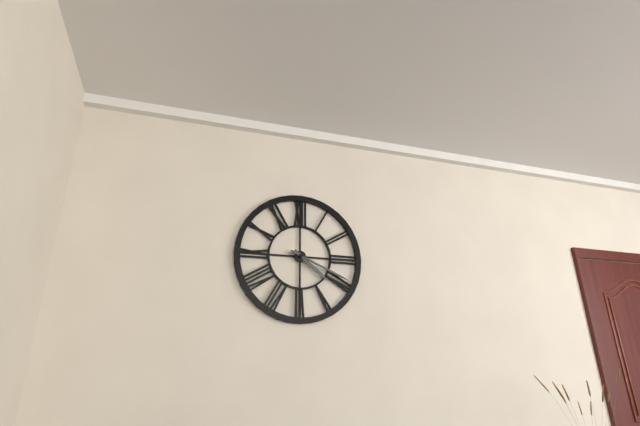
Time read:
4.19
